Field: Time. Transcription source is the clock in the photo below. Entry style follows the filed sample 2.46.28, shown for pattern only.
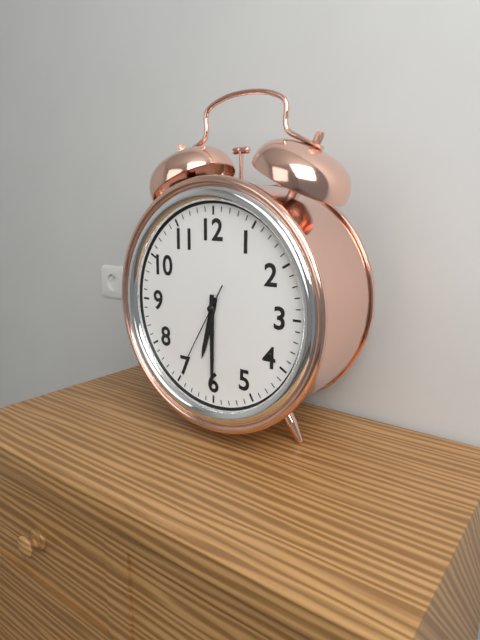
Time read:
6.30.35
